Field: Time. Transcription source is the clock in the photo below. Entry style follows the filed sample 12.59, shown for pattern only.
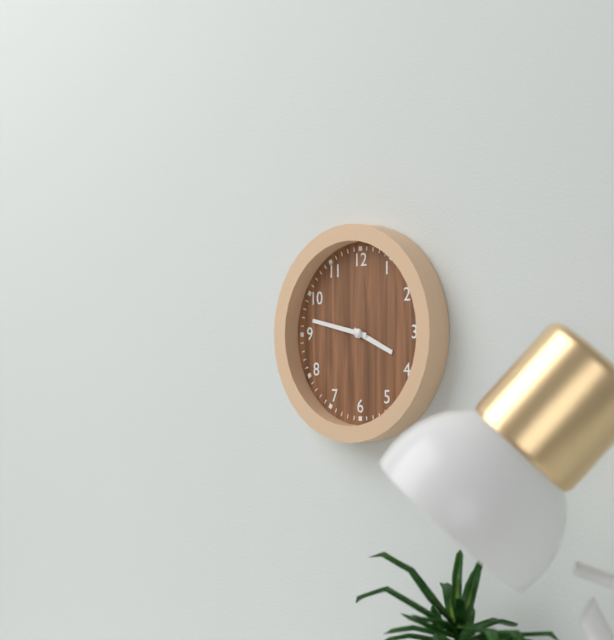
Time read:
3.47
